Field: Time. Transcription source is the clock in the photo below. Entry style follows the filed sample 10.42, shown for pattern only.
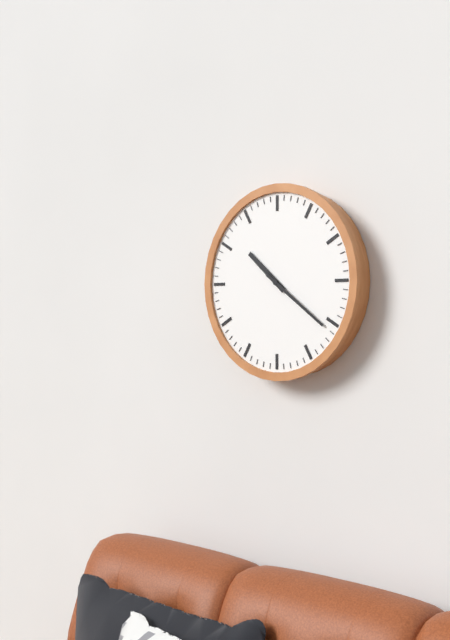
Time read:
10.21
